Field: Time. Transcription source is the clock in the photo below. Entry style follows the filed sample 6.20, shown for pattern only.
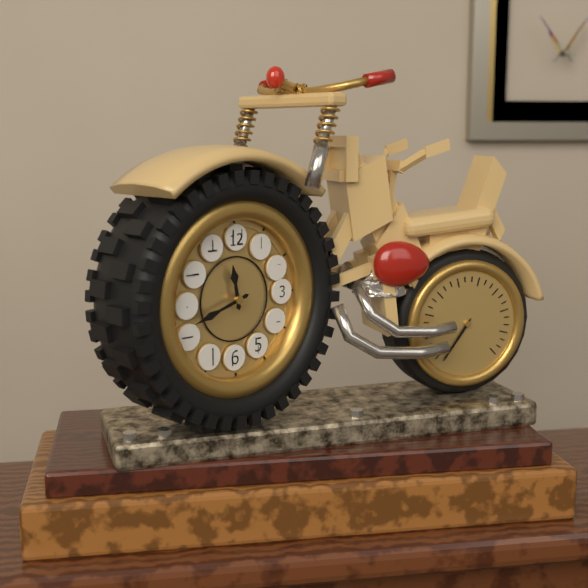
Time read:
11.42
